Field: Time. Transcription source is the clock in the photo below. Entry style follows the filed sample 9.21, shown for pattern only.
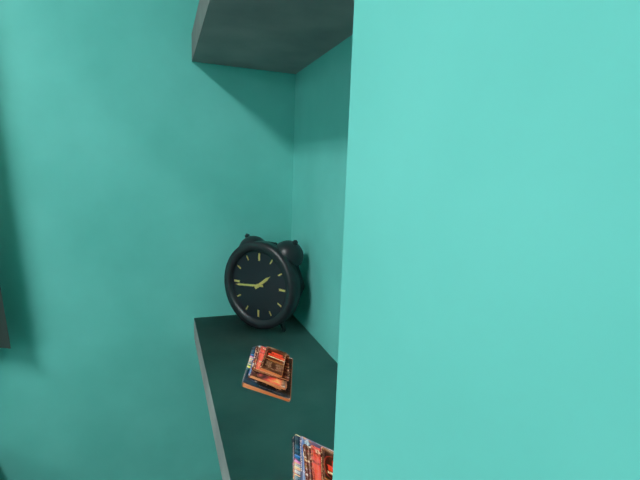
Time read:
1.44
